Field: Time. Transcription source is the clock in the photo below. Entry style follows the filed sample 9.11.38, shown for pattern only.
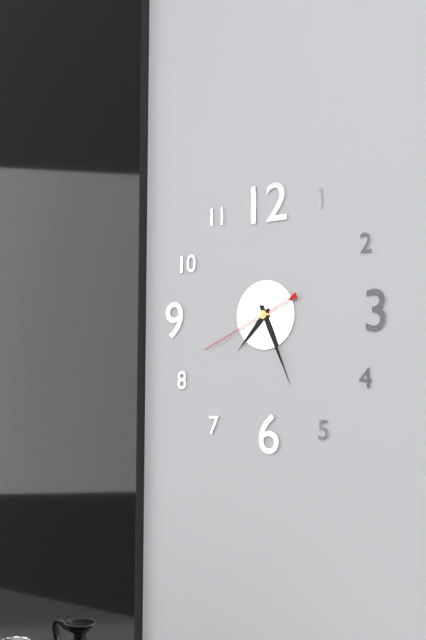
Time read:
7.26.41
